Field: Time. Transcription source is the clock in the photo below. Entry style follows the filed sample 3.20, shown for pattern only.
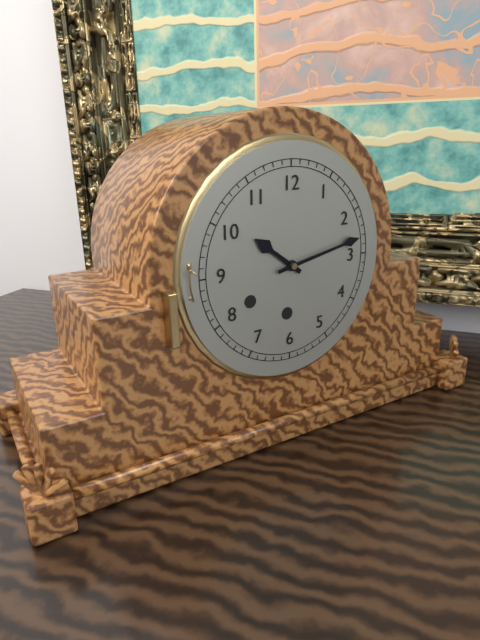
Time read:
10.13
